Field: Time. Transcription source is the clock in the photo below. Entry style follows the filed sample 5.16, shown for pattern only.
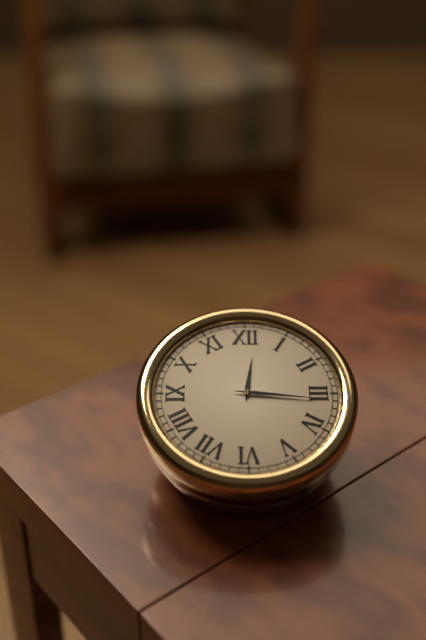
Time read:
12.16
